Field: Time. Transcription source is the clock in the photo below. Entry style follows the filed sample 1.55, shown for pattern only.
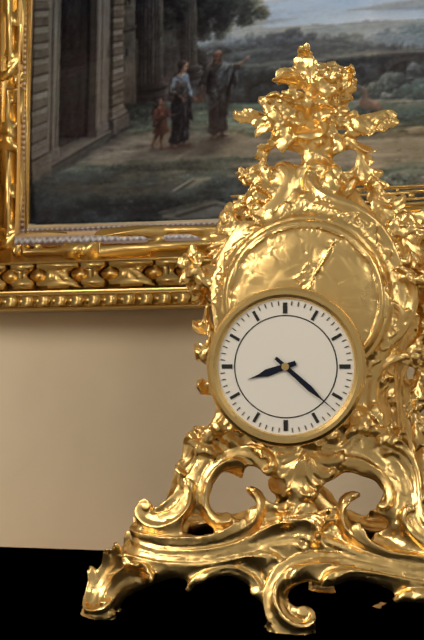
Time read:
8.22
